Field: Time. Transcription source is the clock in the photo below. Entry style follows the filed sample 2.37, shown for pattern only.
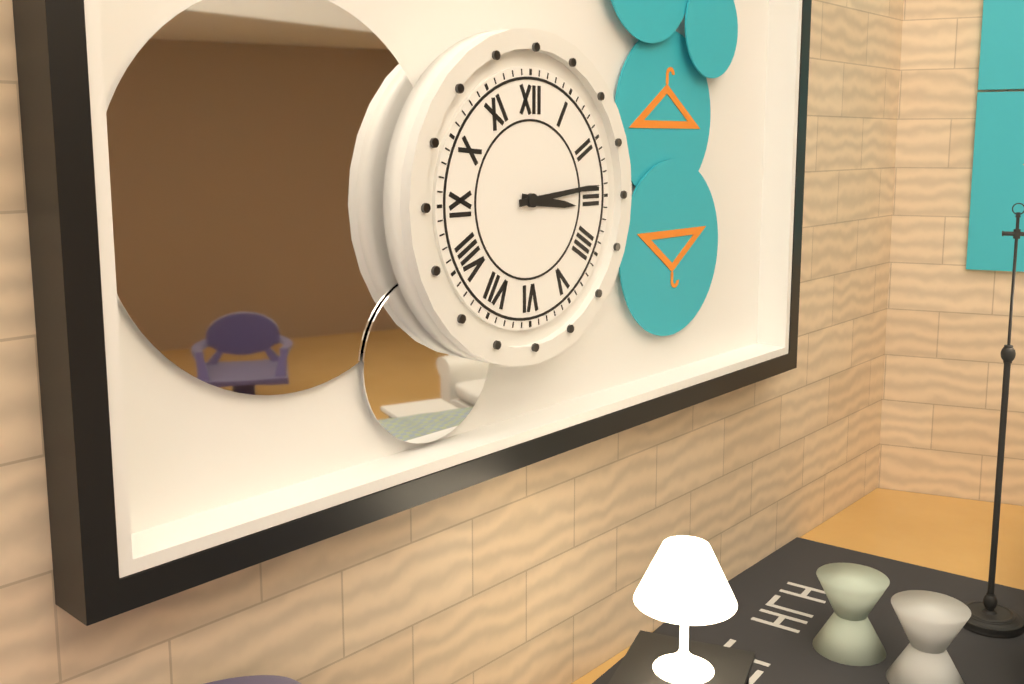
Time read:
3.14
